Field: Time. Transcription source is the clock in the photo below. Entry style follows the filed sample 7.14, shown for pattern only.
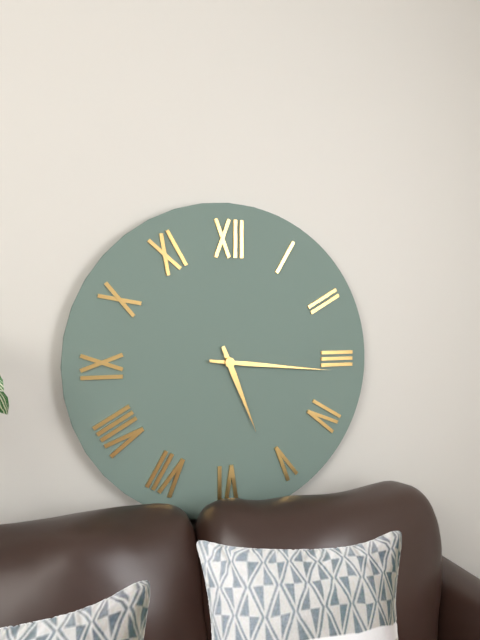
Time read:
5.16
